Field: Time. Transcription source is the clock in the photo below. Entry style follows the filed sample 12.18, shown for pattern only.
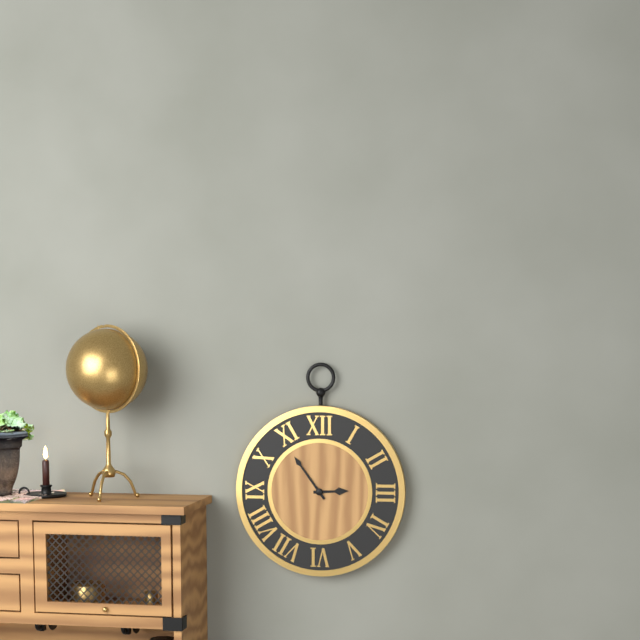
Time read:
2.54
